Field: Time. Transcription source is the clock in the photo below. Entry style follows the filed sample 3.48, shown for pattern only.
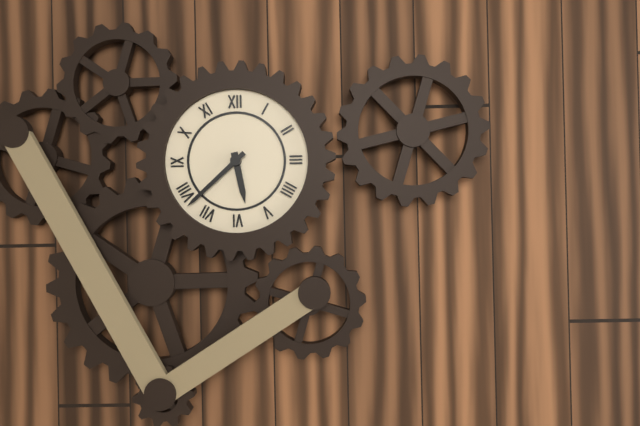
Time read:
5.38
